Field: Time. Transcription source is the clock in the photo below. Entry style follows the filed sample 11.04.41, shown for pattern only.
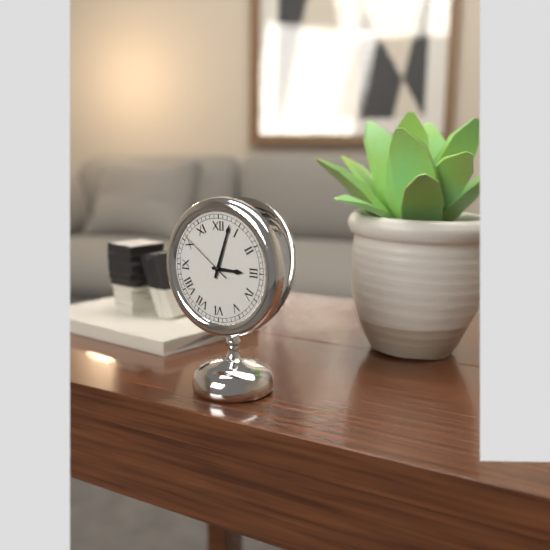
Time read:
3.03.51
